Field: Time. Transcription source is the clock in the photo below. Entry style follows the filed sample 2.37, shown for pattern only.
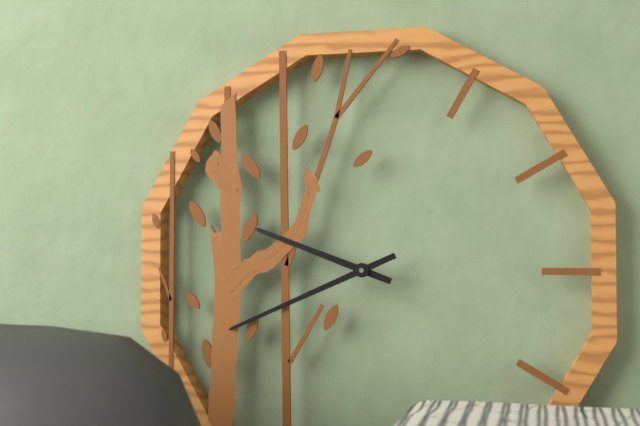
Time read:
9.41
